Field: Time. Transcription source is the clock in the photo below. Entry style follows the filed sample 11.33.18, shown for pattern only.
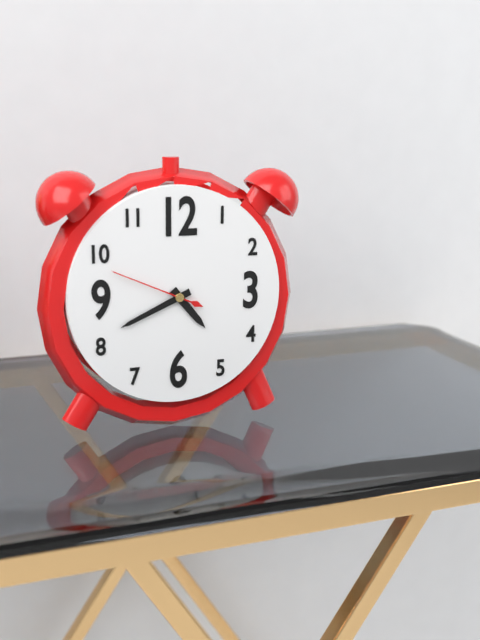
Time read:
4.41.49
